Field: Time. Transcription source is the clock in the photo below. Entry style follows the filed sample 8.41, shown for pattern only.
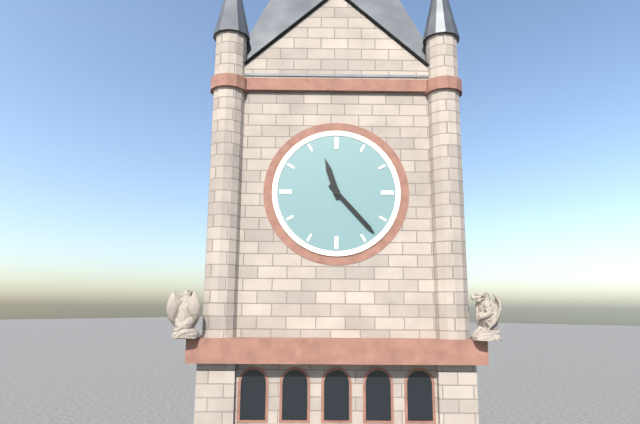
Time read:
11.23
